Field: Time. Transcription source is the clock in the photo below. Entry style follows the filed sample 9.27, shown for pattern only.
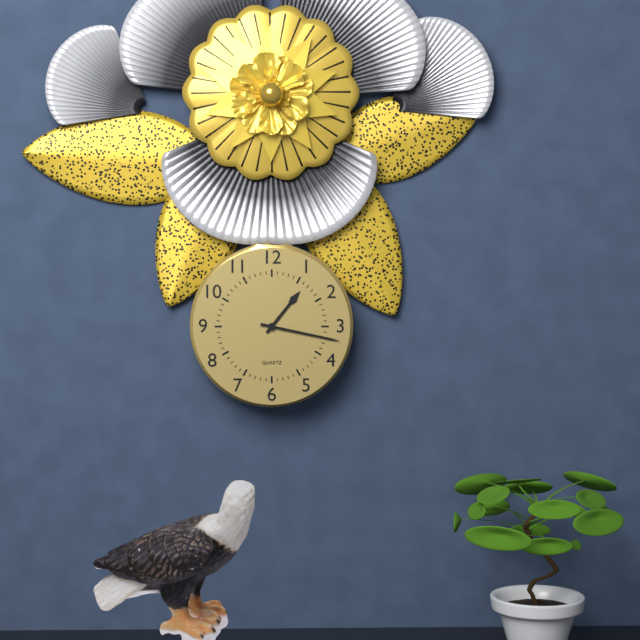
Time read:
1.17
